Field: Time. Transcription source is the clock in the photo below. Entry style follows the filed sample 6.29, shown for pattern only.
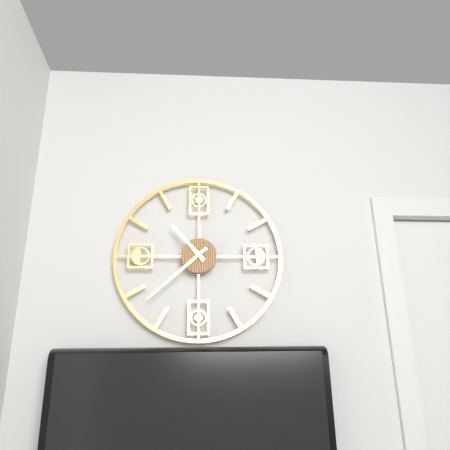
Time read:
10.38
